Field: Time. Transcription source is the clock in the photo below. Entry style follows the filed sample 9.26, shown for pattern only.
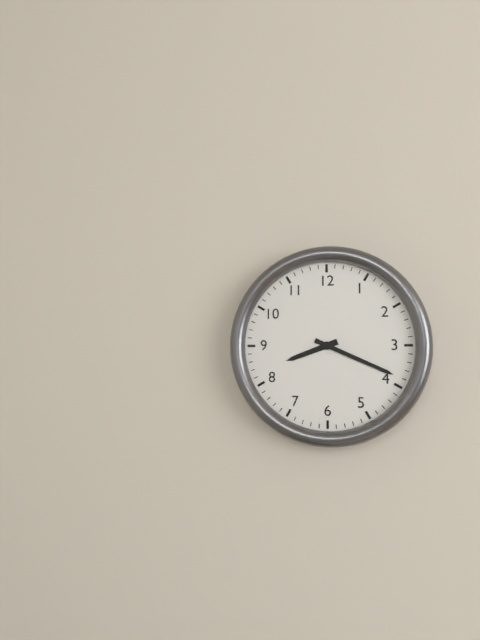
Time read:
8.19
